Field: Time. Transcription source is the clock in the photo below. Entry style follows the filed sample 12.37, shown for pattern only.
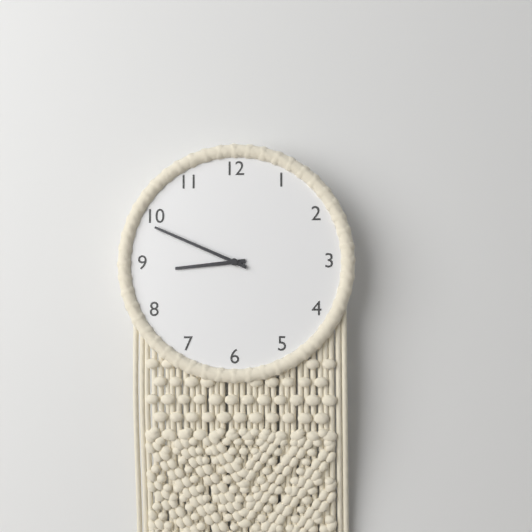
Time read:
8.49
